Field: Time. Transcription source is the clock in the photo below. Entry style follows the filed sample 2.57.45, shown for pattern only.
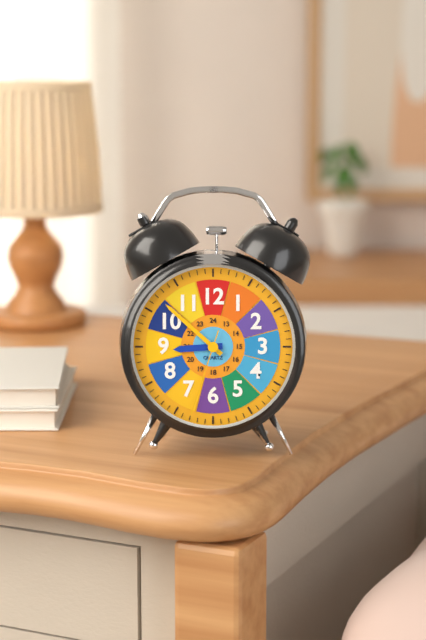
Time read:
8.52.33
